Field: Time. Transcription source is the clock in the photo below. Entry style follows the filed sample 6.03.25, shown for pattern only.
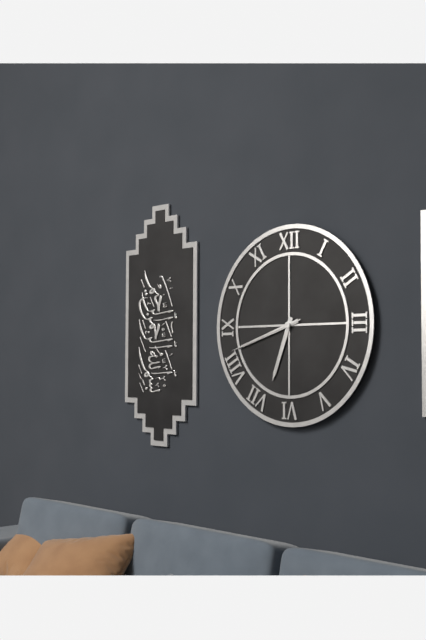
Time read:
6.42.42
